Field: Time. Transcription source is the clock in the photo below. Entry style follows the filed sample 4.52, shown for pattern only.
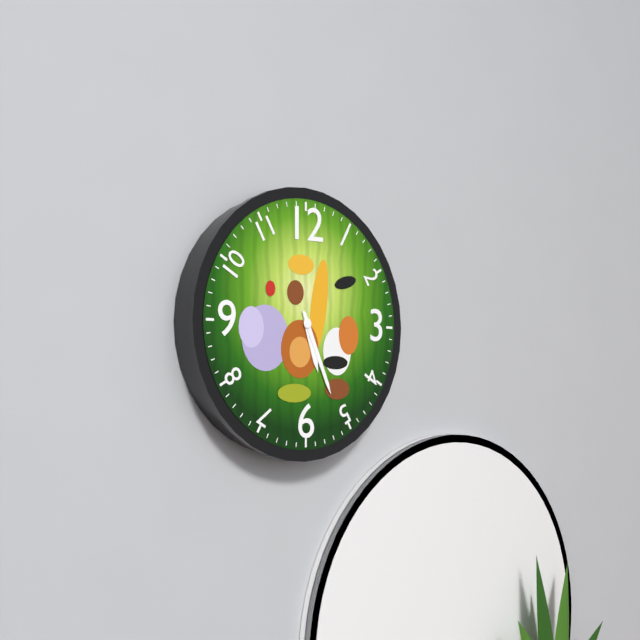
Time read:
5.26
